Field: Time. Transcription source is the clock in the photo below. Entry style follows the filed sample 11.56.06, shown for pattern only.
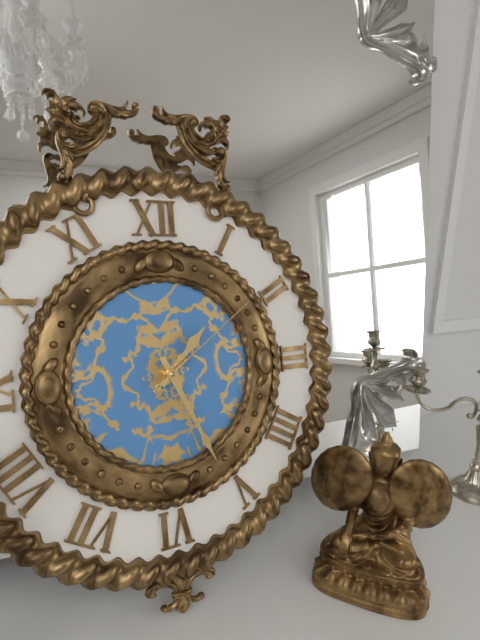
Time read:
1.26.09
